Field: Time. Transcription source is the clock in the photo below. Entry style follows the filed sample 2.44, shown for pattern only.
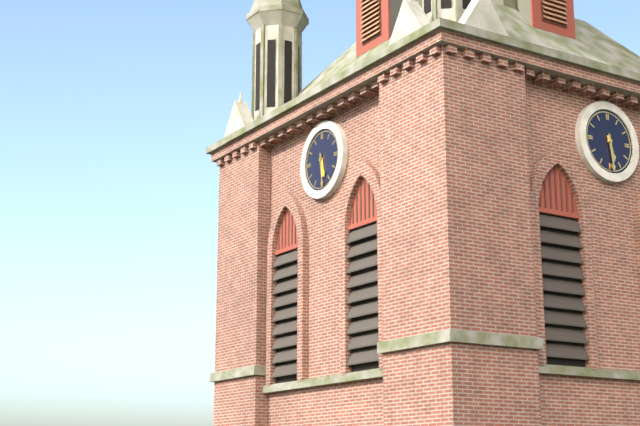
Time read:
5.29
